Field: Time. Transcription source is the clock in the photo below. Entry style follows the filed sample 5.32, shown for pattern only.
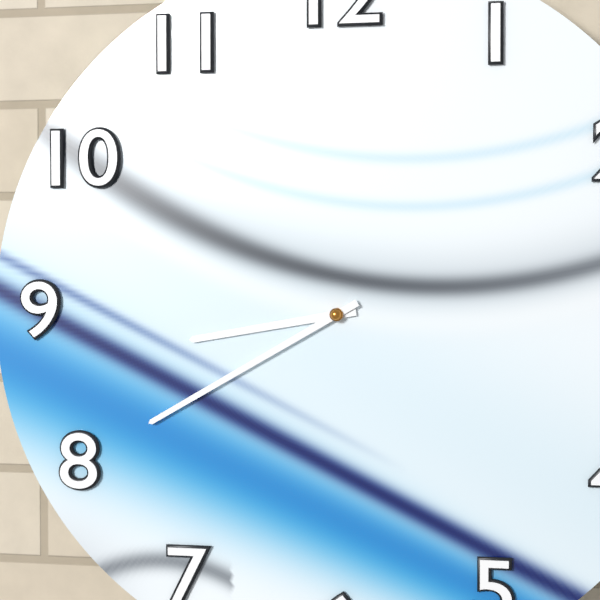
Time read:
8.40
